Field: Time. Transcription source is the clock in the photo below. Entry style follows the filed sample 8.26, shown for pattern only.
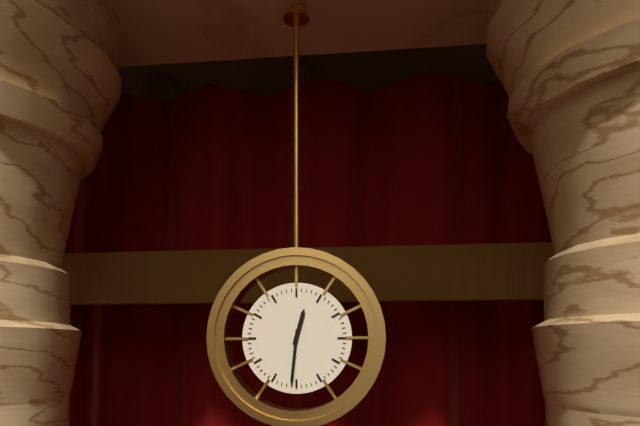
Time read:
12.31
